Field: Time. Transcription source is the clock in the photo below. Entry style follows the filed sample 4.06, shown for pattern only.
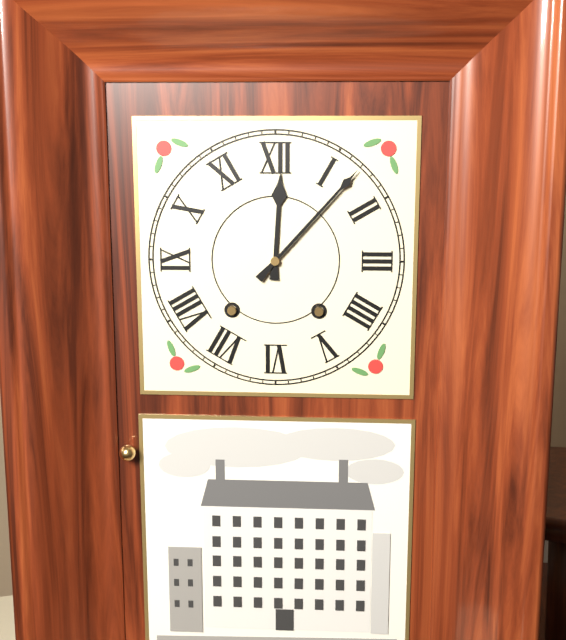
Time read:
12.07
